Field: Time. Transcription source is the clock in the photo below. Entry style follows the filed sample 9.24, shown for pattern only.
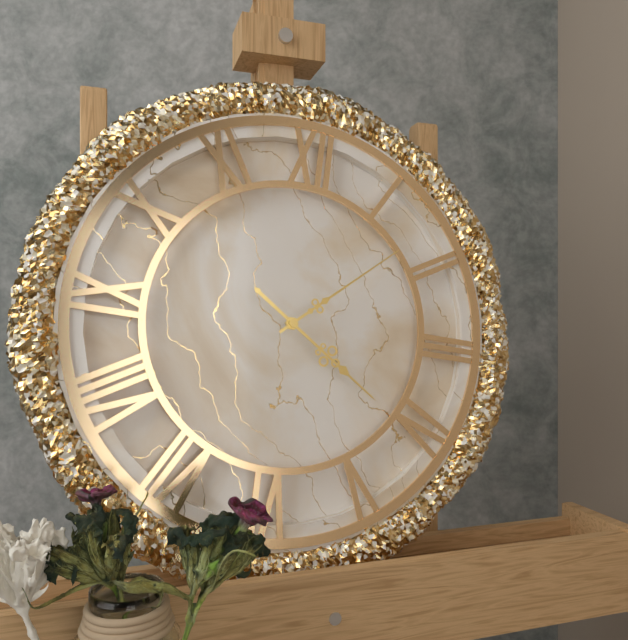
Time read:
4.08
